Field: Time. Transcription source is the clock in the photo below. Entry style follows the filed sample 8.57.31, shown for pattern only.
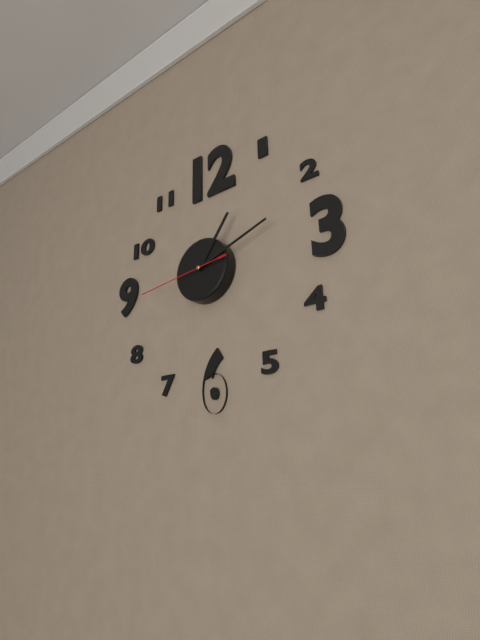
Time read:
1.12.44
